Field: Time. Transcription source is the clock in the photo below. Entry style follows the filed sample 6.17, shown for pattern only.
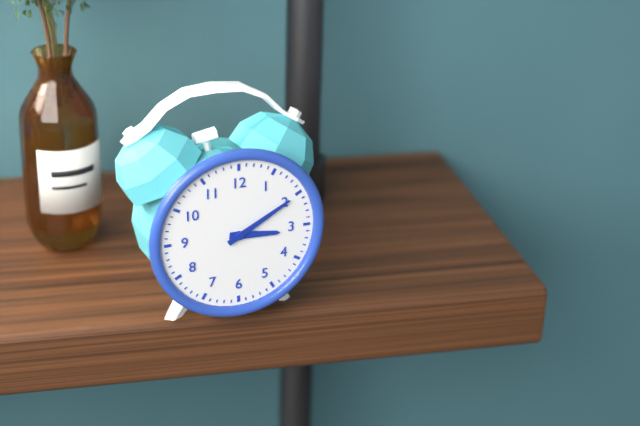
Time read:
3.10
